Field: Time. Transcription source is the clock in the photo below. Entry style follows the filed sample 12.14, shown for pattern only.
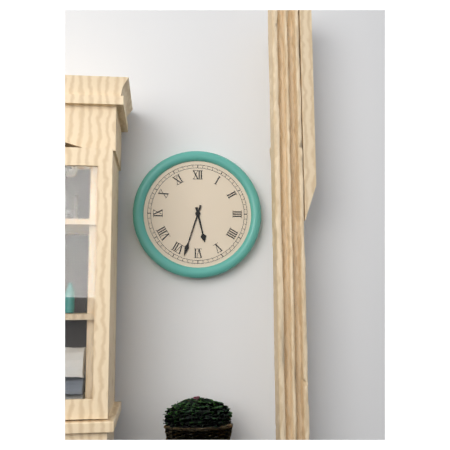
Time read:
5.33
